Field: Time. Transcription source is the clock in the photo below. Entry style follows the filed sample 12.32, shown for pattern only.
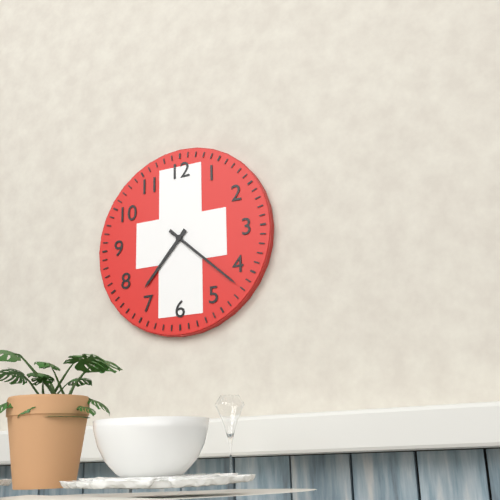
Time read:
7.22
